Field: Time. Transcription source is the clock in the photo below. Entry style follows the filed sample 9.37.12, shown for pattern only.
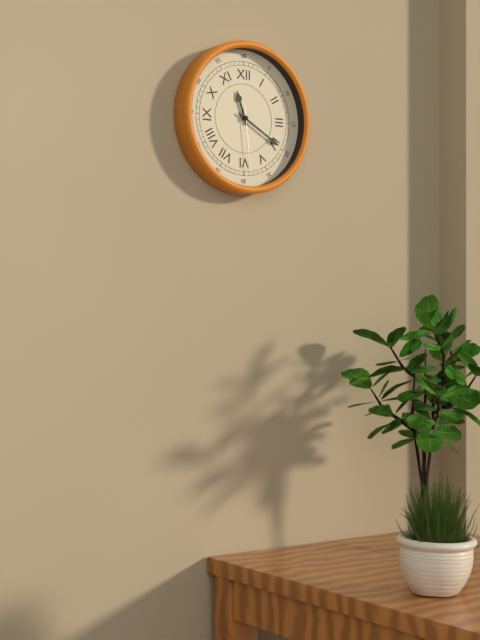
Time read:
11.20.29
